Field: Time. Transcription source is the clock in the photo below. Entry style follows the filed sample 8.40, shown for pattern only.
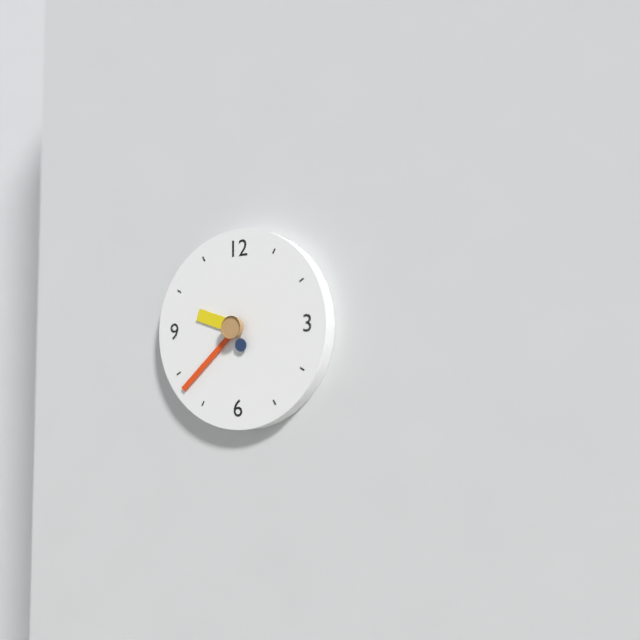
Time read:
9.38
